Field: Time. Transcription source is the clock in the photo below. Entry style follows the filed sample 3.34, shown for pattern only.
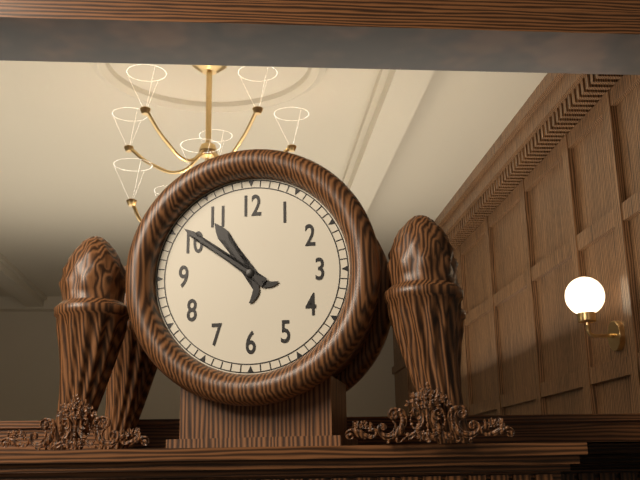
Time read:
10.51
